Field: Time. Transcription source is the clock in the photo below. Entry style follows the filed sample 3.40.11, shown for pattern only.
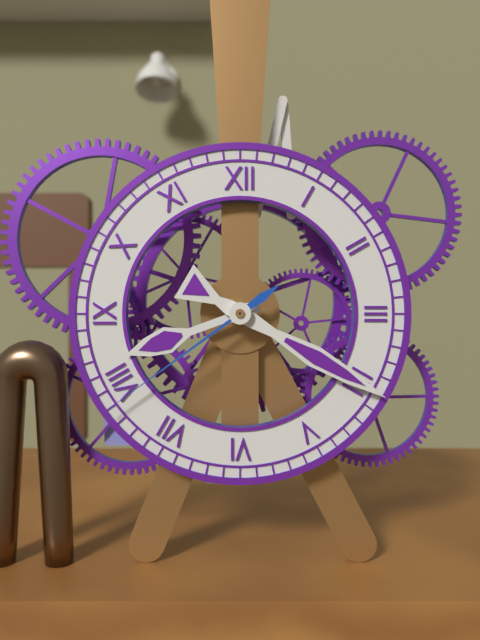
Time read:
8.20.39
